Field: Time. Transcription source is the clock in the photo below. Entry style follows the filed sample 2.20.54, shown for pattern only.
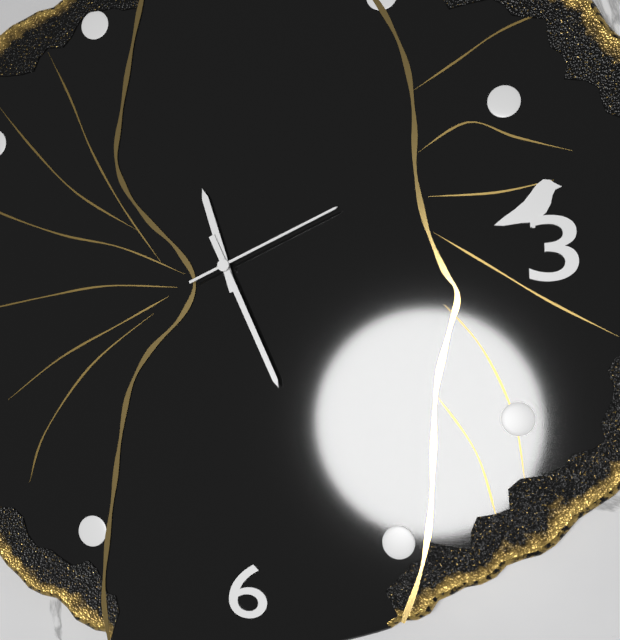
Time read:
11.26.11
